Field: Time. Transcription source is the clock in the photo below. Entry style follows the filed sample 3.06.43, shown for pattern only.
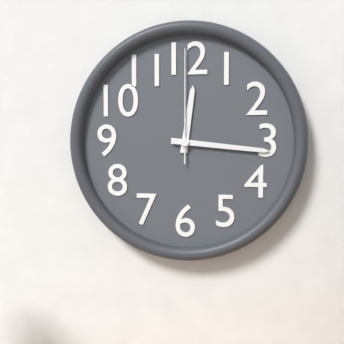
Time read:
12.16.00
